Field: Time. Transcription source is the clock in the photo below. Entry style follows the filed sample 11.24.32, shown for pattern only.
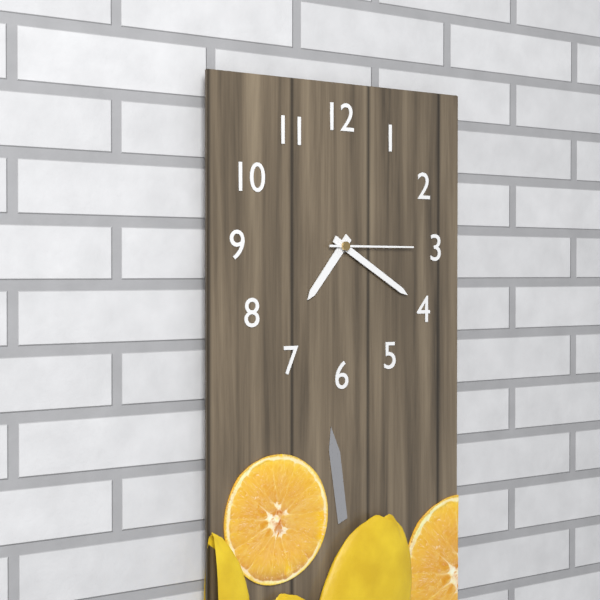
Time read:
7.20.15
